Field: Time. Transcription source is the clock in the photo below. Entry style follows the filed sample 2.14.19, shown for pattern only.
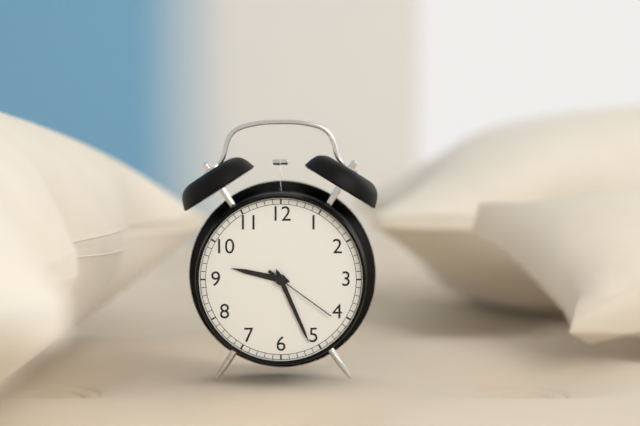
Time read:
9.26.21
